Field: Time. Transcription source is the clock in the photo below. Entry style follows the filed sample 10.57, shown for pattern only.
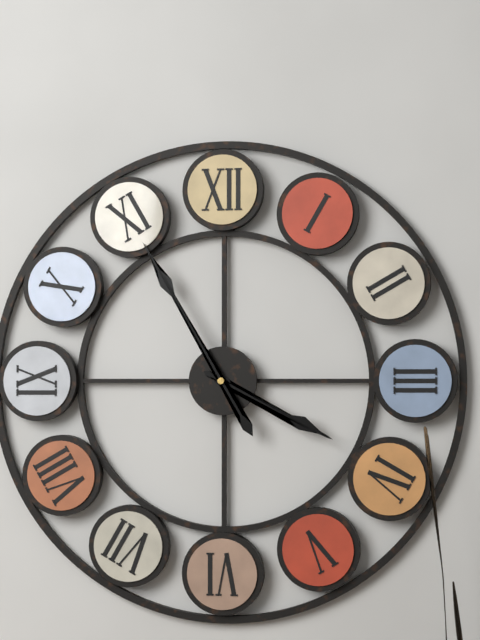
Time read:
3.55
